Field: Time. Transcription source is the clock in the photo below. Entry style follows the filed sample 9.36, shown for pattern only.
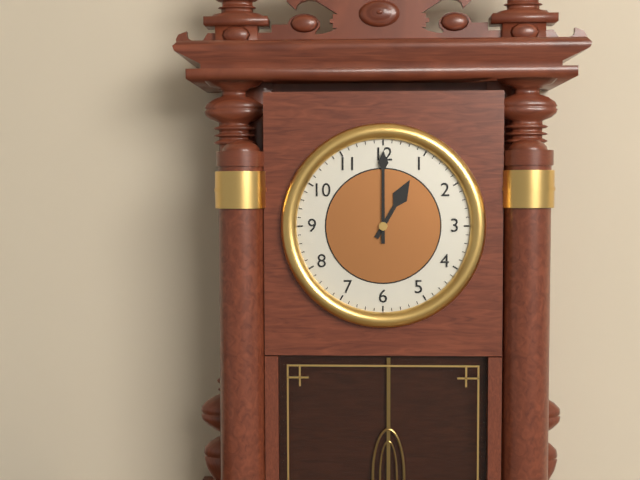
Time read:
1.00
